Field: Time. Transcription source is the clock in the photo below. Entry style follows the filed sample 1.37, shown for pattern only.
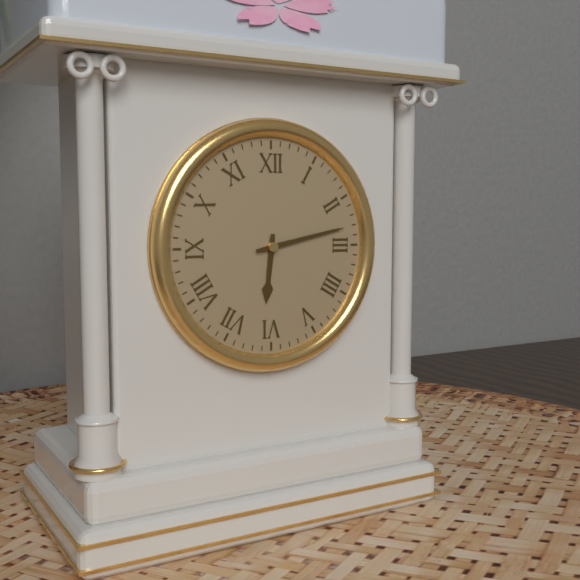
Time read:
6.13
